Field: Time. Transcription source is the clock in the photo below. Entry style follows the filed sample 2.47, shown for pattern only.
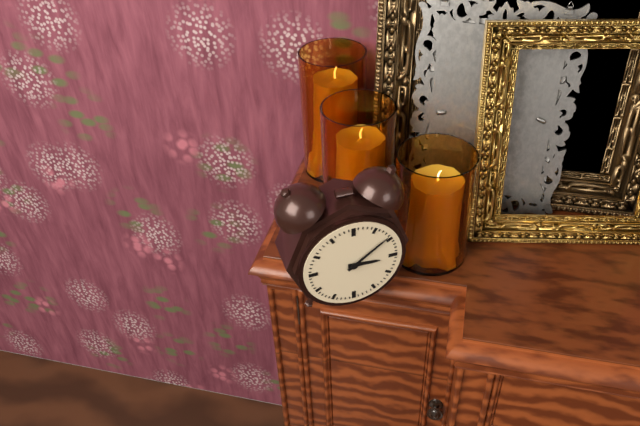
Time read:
3.09
